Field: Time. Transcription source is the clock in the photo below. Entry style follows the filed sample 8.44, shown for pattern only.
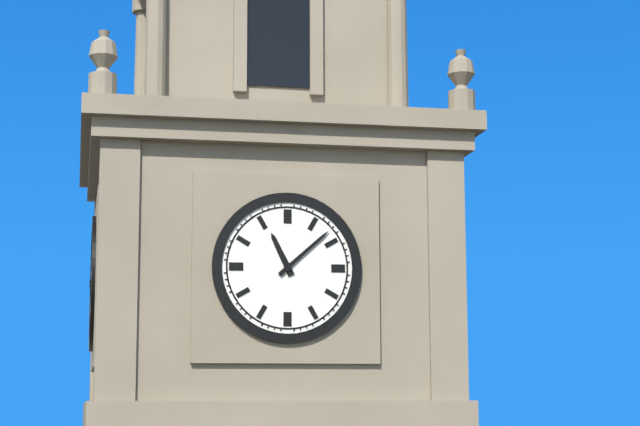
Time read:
11.08
